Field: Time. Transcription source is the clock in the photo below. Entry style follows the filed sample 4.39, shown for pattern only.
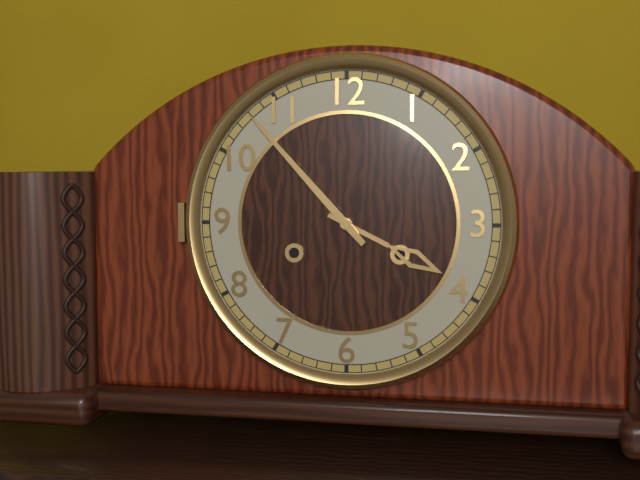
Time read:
3.53
